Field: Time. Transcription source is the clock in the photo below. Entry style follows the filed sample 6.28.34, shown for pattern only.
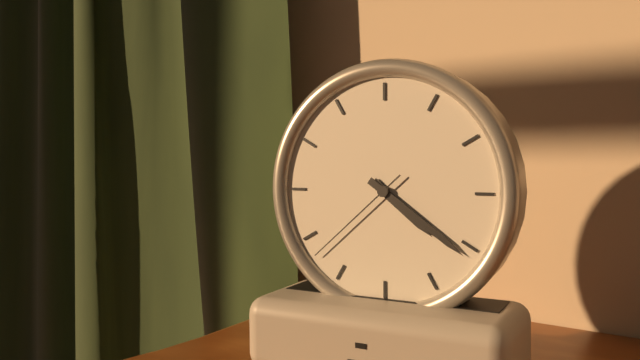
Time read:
4.21.38
